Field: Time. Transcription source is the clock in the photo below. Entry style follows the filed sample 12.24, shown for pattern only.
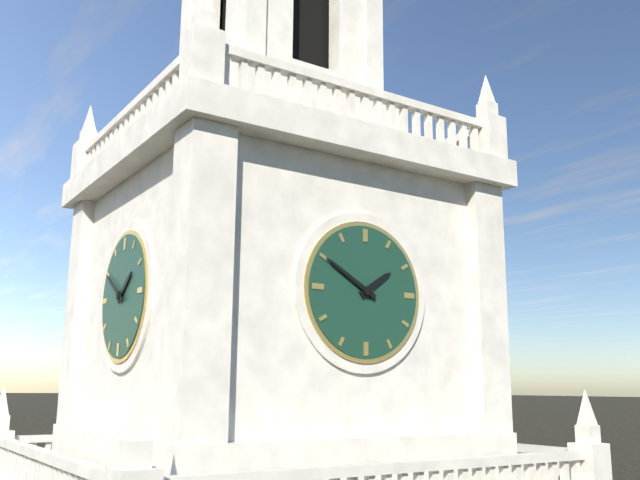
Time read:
1.50
